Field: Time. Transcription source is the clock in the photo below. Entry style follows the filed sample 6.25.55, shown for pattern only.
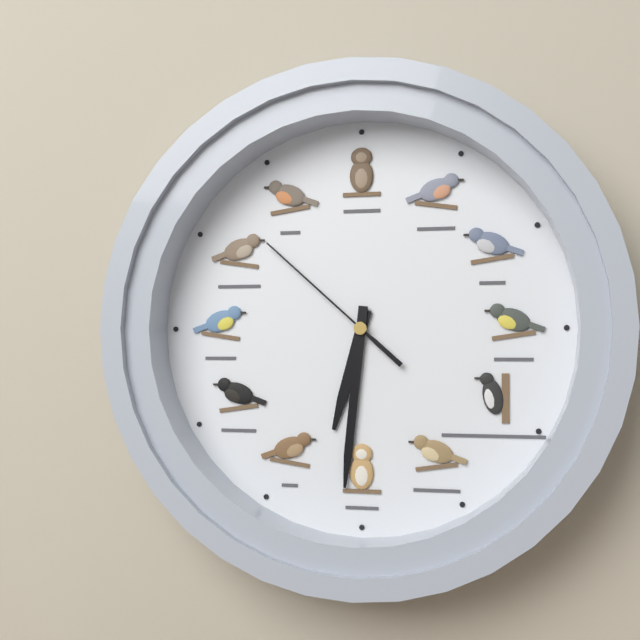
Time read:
6.31.52
